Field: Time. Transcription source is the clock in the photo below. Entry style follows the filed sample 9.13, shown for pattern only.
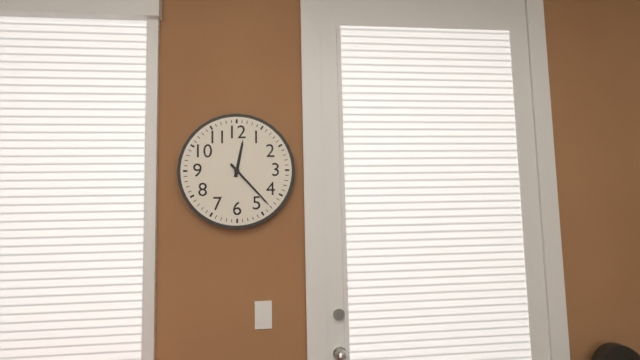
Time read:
12.23
